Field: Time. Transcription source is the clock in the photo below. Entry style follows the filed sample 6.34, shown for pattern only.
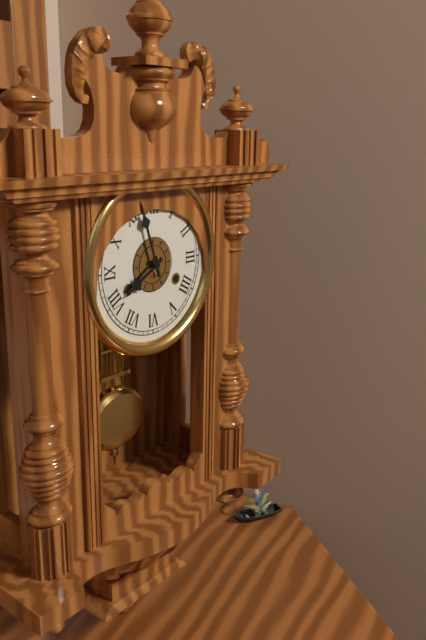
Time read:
7.57
